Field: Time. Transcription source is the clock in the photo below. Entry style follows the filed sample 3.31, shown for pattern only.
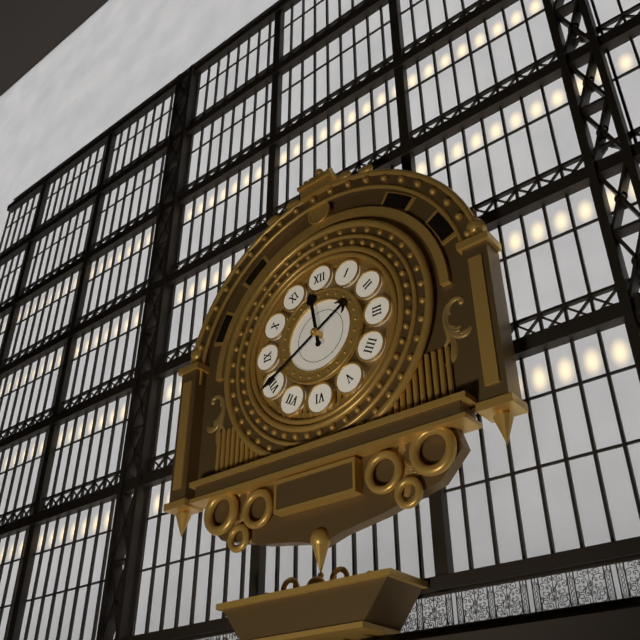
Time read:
11.40
